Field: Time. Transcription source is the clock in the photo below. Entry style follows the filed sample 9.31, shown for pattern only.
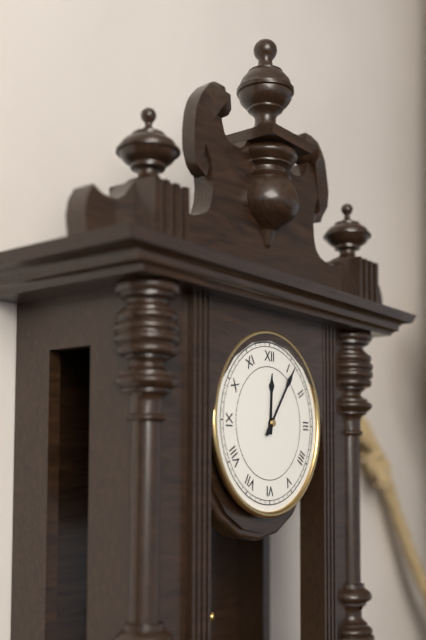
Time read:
12.06
